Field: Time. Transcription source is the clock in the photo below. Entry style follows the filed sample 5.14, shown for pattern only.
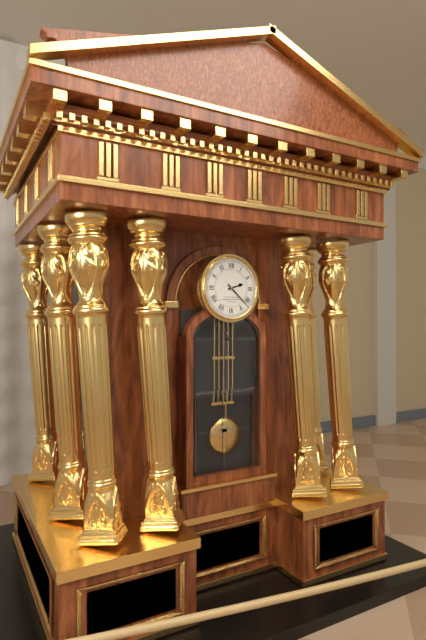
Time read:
2.22
